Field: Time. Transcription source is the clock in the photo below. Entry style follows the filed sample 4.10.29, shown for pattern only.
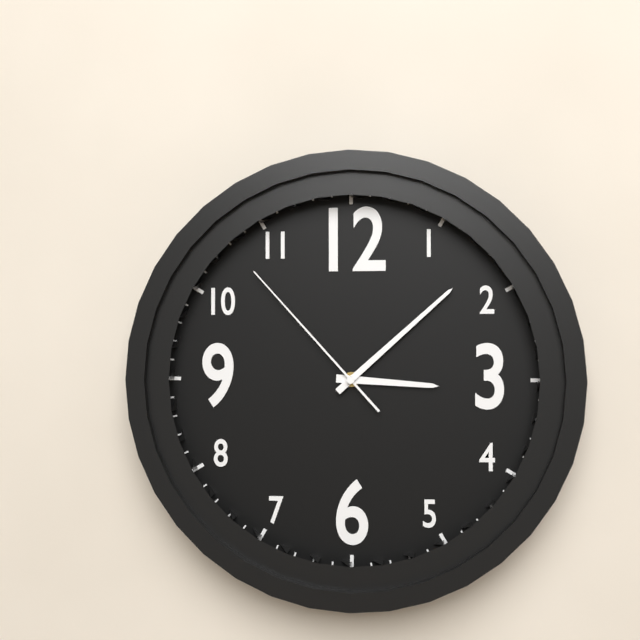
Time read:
3.08.53
